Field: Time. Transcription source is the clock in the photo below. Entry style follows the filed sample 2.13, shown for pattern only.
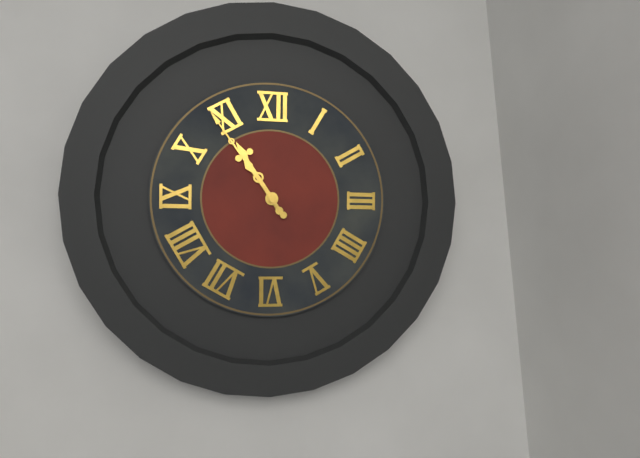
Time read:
10.54
